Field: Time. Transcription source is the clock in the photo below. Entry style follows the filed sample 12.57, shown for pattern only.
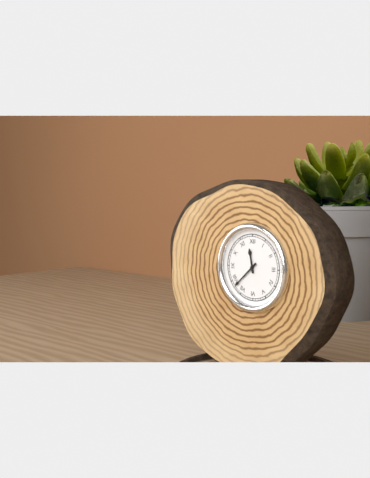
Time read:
11.38
